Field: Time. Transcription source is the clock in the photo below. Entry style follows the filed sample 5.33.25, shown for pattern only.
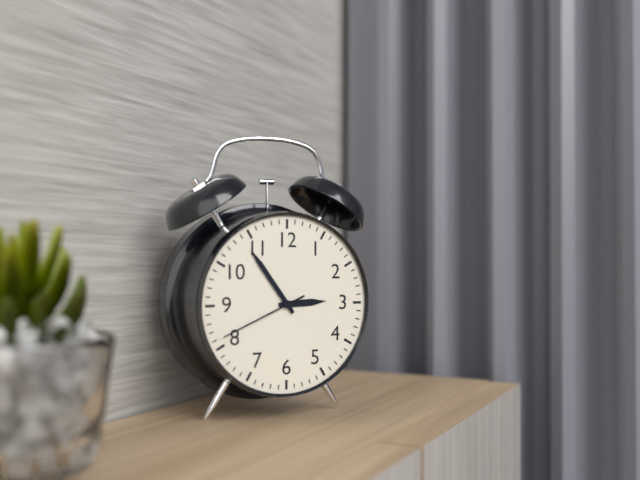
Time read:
2.54.41
